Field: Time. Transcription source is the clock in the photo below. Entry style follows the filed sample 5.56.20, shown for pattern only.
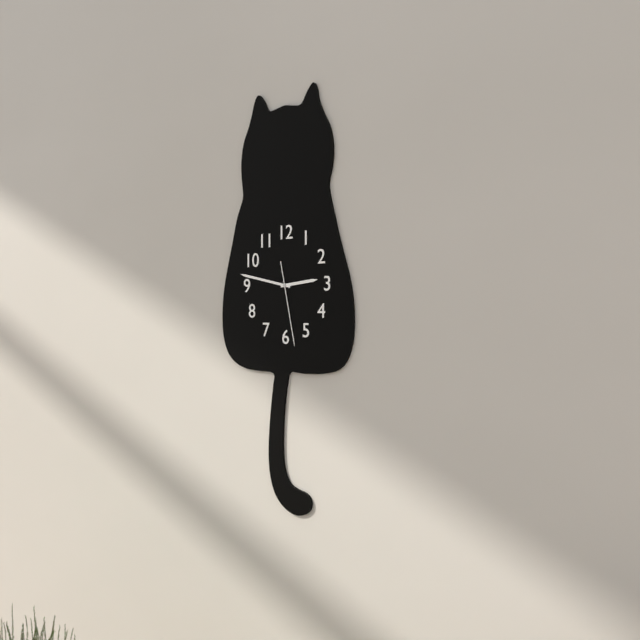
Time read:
2.47.28
